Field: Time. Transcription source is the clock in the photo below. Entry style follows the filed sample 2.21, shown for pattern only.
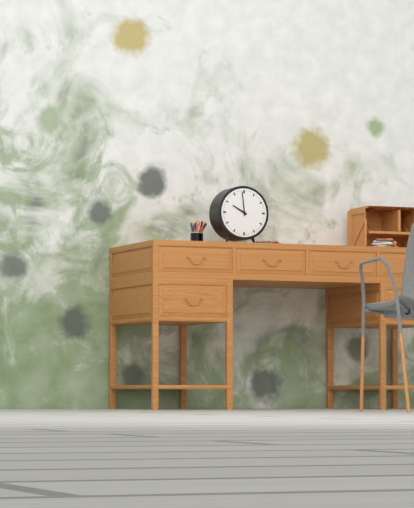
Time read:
9.59
